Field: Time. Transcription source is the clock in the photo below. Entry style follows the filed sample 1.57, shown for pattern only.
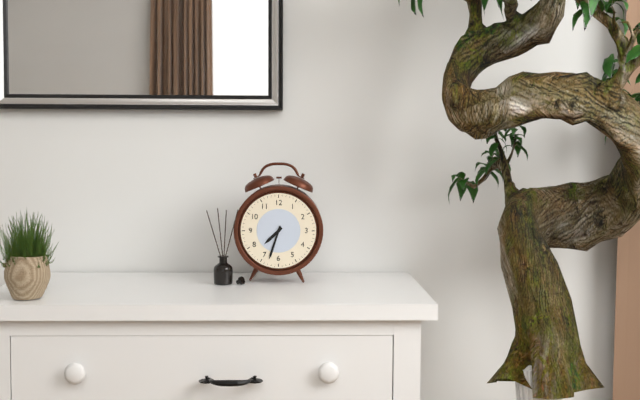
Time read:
7.33
